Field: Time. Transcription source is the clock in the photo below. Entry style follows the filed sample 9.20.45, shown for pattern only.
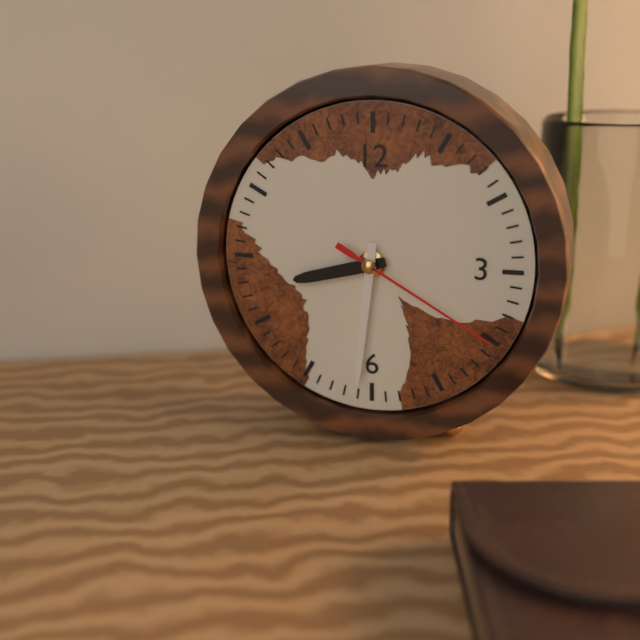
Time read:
8.31.20
